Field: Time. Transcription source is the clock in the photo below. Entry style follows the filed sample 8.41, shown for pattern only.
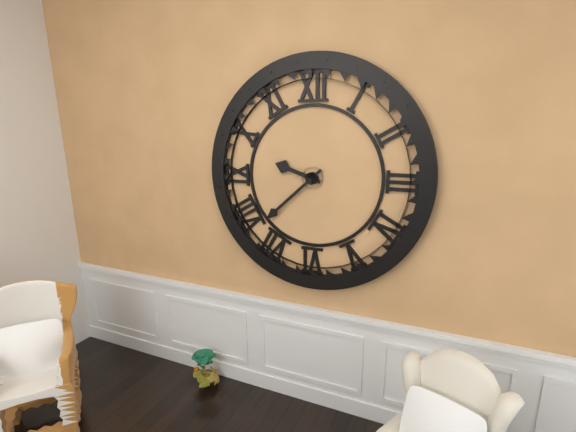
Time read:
9.38
